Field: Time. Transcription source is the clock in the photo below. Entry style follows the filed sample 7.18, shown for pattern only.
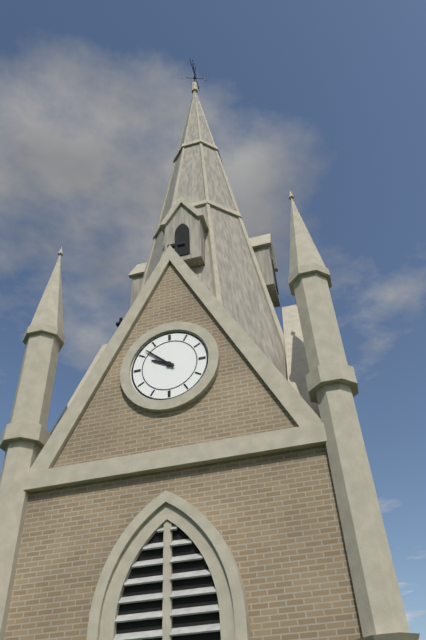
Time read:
9.52
